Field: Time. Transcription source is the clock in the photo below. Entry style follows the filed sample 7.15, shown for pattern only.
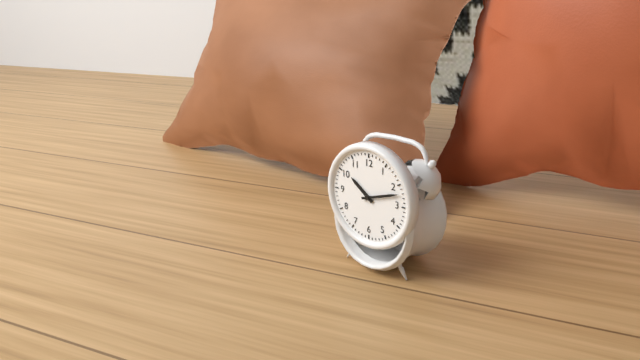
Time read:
10.12
